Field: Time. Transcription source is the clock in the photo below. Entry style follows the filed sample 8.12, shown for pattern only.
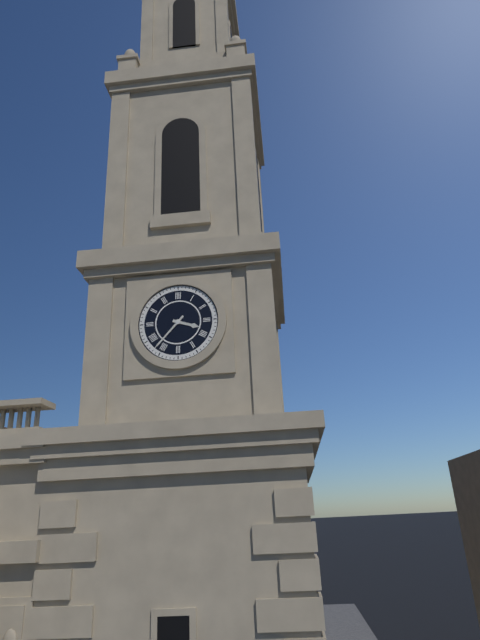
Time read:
3.37
